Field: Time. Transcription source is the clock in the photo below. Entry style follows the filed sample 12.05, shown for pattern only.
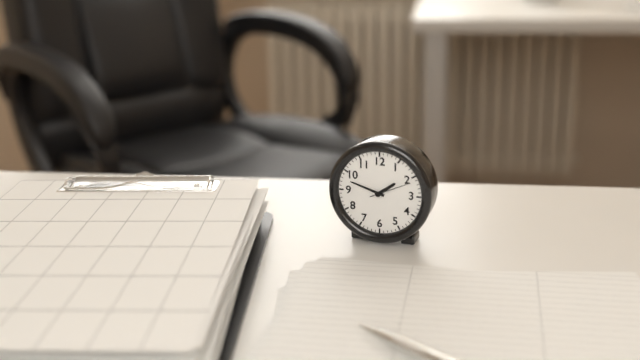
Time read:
1.48
